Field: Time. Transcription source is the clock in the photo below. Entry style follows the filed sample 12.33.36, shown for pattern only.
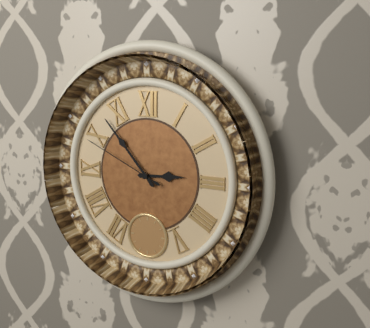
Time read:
2.53.49
